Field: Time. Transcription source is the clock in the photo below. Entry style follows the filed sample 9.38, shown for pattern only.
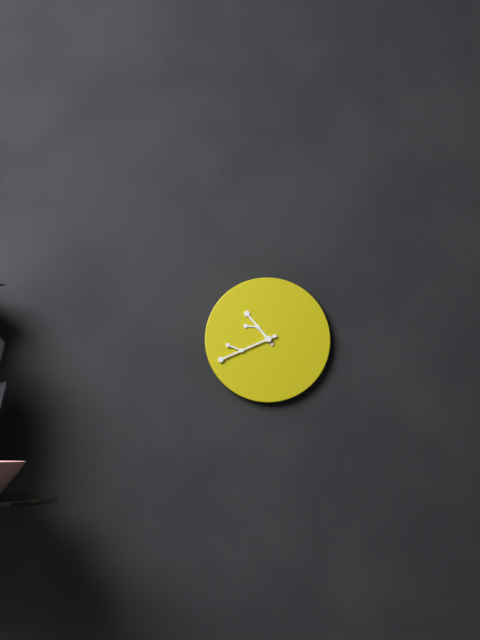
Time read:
10.41
